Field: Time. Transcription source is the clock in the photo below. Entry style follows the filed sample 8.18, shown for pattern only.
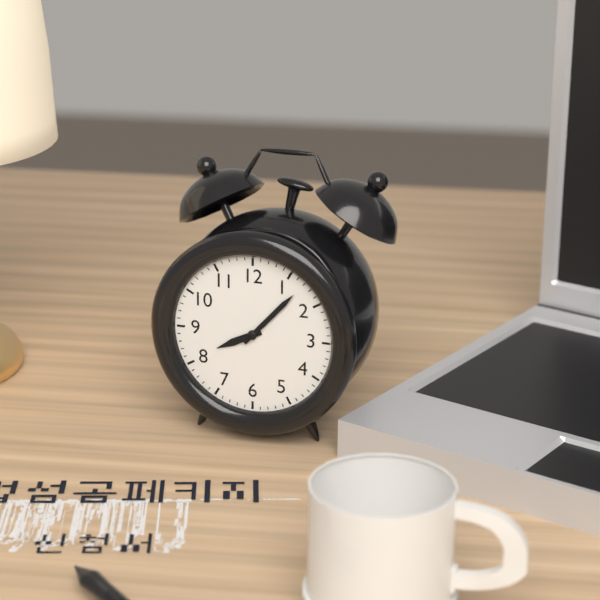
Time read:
8.07
